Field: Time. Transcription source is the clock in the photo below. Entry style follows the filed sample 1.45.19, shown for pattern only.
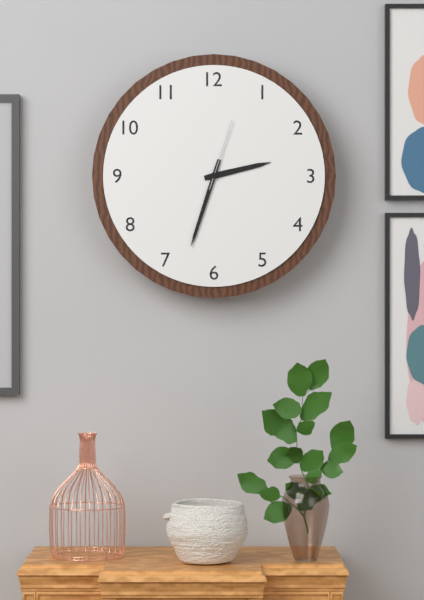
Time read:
2.33.03
